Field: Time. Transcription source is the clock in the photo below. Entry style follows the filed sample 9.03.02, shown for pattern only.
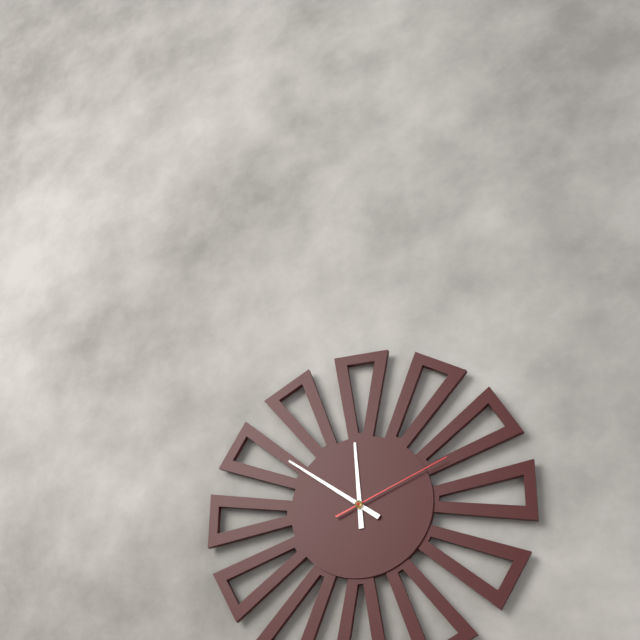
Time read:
11.51.11
